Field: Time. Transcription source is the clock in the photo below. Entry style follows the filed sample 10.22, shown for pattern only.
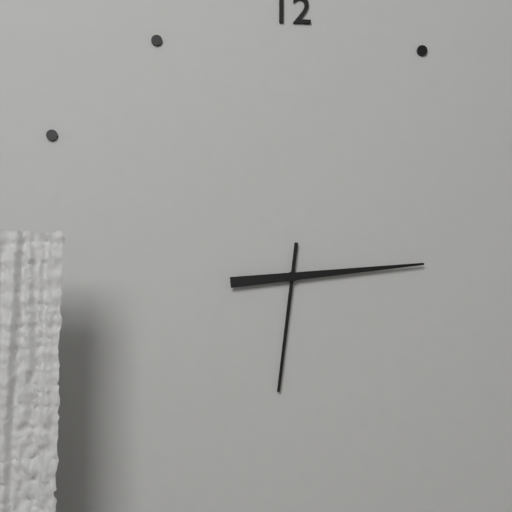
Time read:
6.14
